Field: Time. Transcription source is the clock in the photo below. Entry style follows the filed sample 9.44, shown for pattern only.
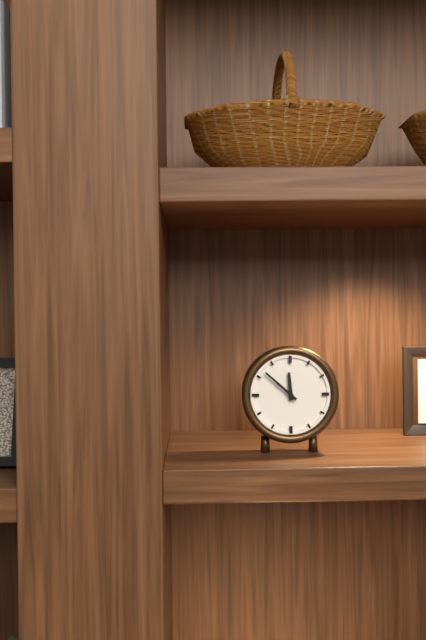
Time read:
11.52
